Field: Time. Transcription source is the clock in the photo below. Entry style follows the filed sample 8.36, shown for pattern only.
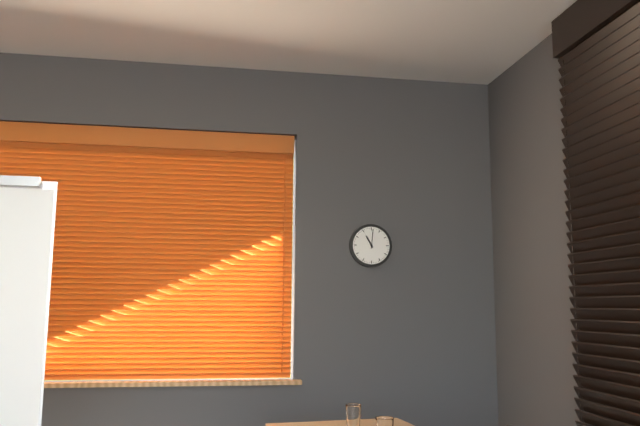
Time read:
11.01
